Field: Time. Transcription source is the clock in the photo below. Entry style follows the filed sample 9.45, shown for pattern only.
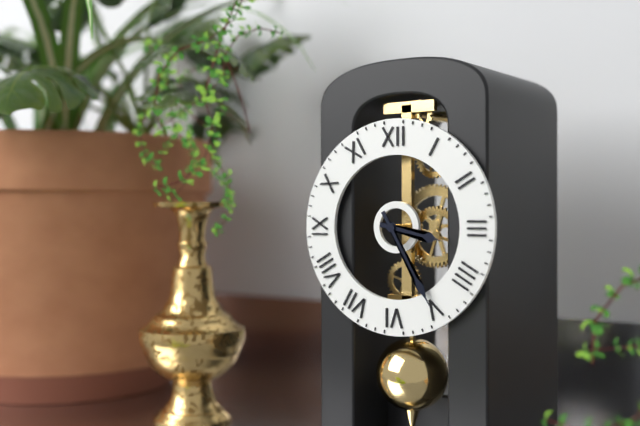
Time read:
3.25
